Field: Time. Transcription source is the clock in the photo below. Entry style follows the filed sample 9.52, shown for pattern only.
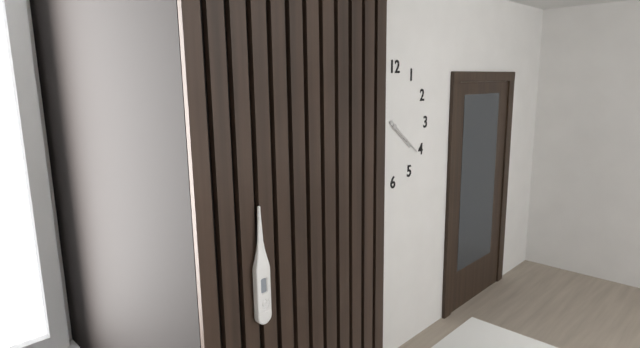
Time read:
4.21
